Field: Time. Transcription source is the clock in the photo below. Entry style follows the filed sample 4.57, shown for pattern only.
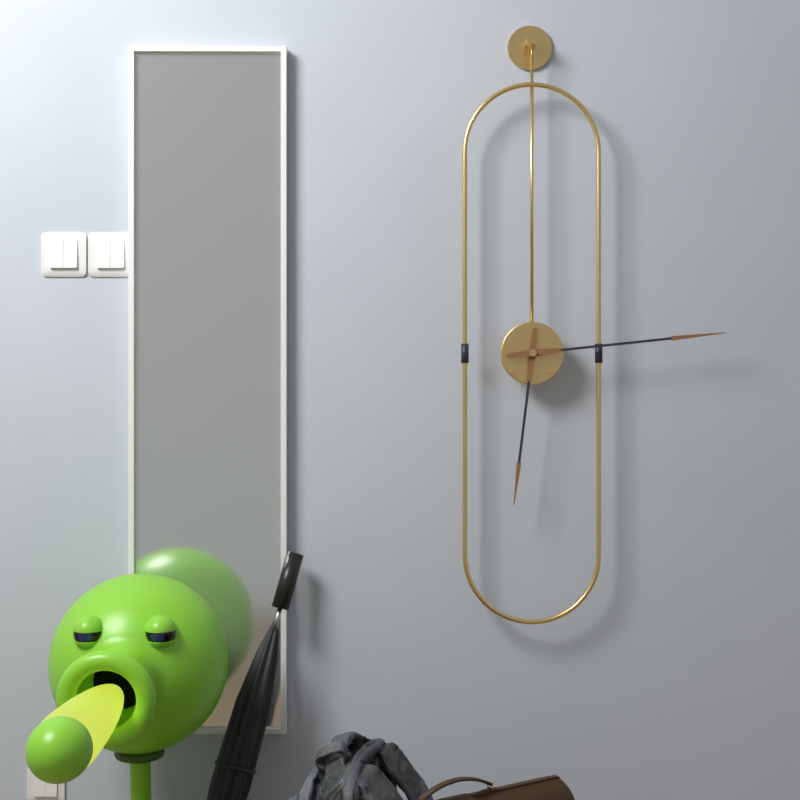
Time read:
6.14
